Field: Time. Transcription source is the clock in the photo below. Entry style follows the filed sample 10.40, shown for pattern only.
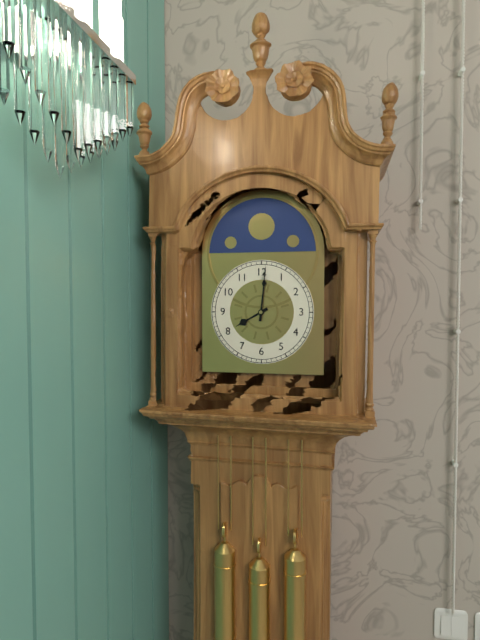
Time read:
8.01
